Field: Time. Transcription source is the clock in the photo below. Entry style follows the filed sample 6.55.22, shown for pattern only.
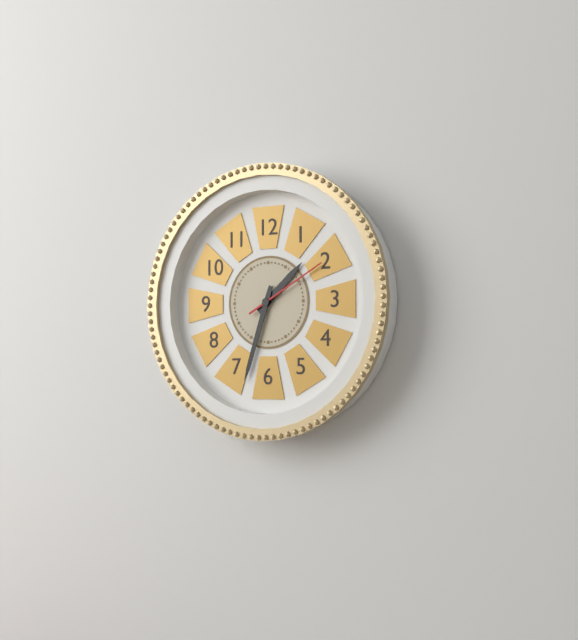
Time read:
1.33.10
